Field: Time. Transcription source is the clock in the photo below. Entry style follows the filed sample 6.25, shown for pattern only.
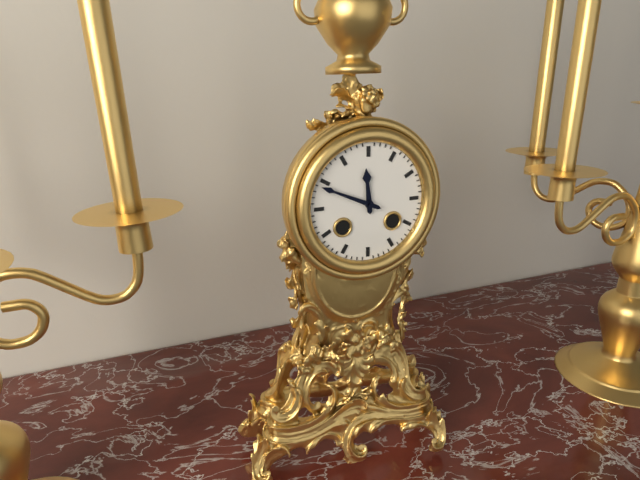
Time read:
11.49
